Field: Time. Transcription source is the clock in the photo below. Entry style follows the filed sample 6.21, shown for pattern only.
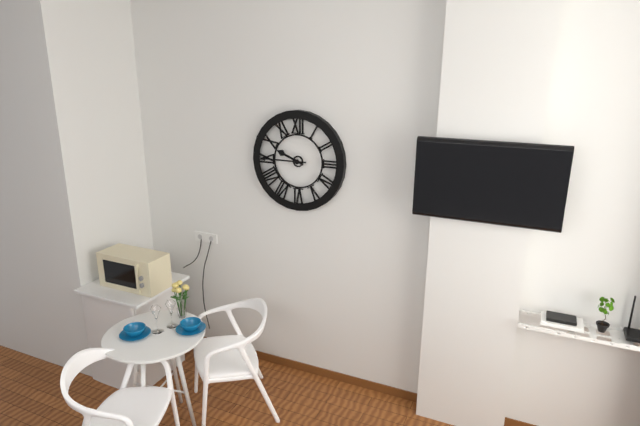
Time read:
9.45
